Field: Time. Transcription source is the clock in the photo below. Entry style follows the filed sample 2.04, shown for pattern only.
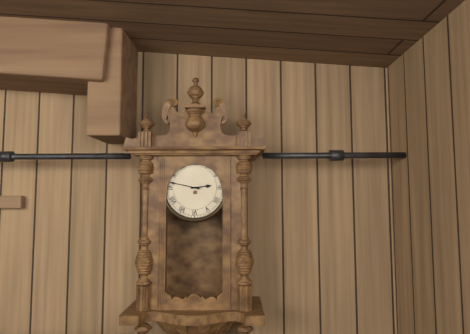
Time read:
2.47
